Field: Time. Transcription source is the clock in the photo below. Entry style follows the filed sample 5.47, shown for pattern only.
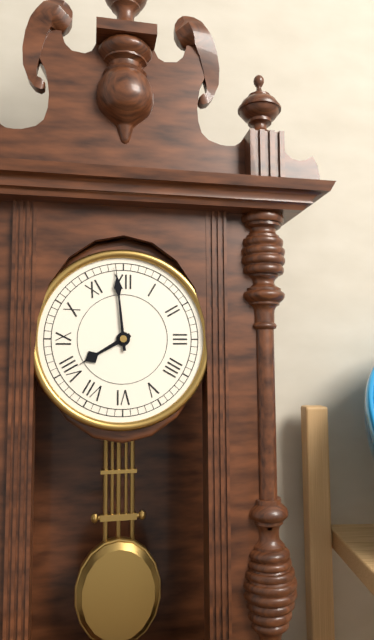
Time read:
7.59
